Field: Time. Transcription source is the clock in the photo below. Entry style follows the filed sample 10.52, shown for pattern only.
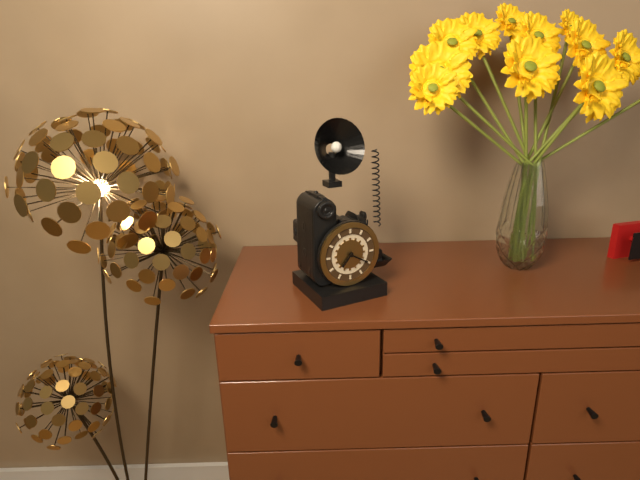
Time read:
7.20
